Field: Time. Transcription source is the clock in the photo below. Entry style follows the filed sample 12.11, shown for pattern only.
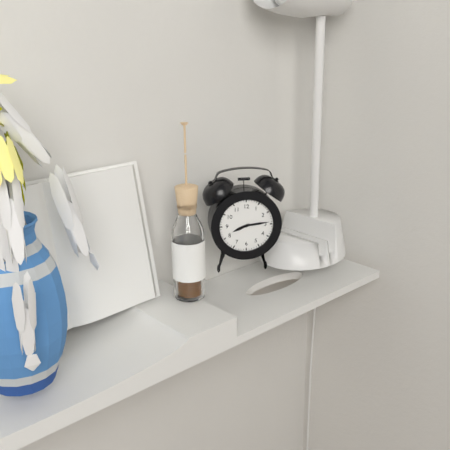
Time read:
8.14
